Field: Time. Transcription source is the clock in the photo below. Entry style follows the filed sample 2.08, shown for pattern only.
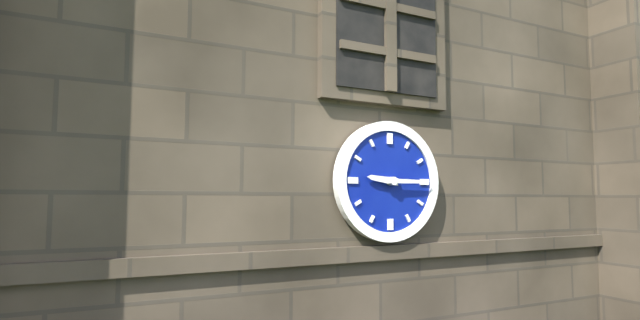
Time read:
9.15
